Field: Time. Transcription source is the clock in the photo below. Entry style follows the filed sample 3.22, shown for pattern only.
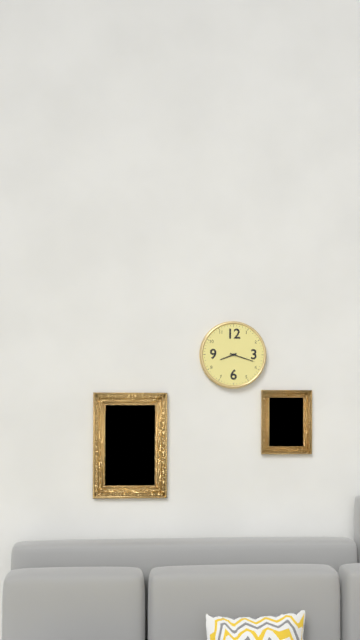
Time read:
8.18
